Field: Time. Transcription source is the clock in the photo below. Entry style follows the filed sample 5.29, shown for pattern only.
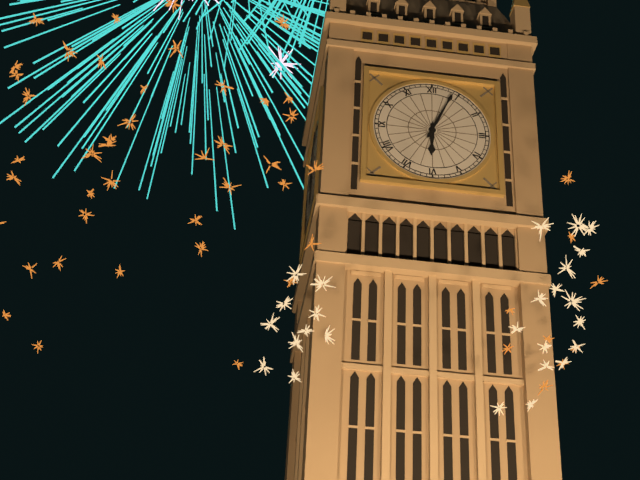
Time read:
6.04
